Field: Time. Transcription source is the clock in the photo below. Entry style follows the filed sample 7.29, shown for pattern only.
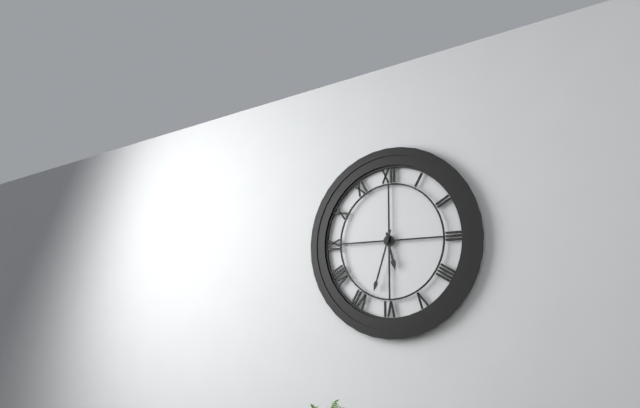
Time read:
5.33
